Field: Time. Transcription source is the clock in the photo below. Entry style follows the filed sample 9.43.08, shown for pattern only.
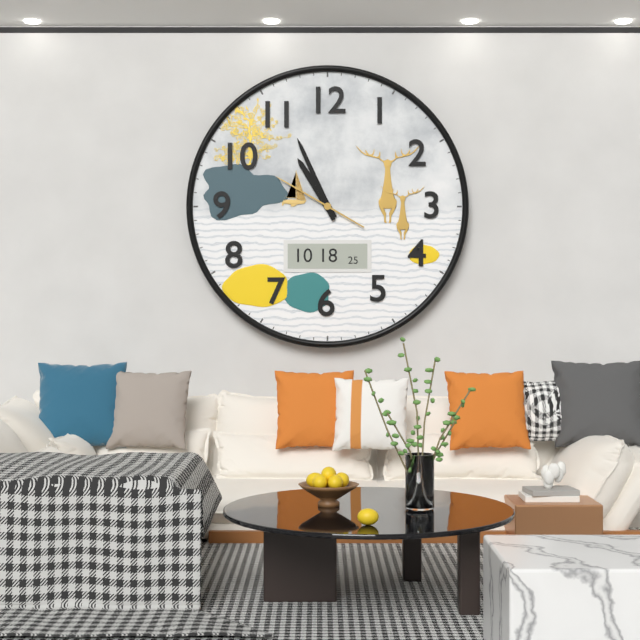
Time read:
10.56.50
